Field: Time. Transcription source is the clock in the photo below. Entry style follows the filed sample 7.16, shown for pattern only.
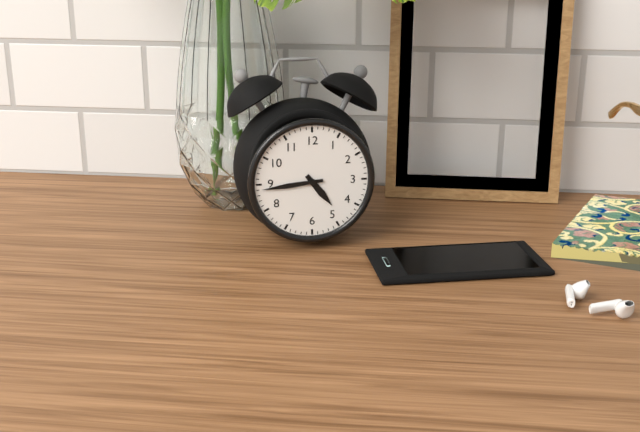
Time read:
4.44
